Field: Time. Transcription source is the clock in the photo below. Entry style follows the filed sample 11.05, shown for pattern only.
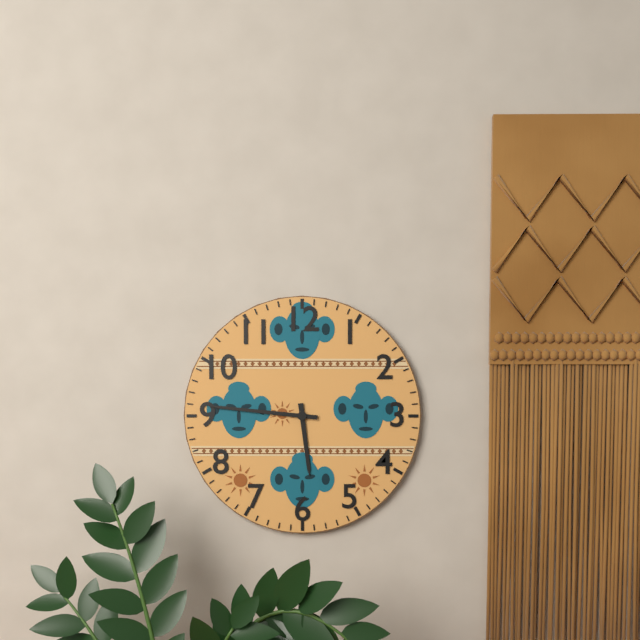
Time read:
5.46
